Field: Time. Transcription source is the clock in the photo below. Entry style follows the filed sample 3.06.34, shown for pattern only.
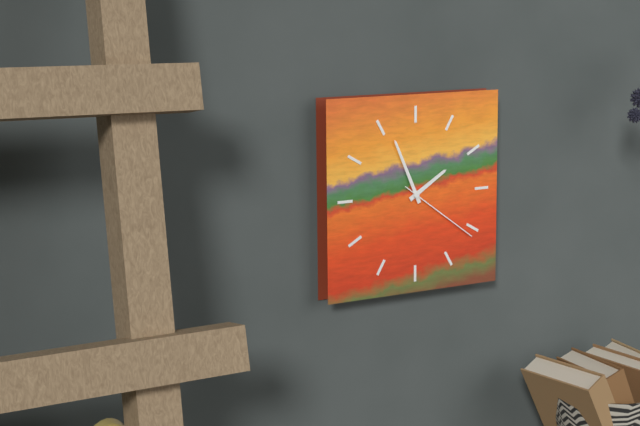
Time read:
1.56.21
